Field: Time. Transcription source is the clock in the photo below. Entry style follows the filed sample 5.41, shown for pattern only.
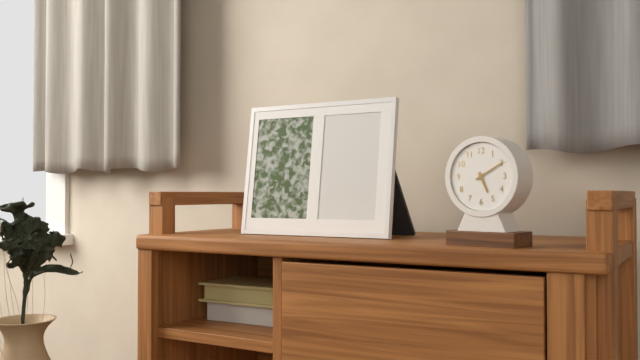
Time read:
5.10
